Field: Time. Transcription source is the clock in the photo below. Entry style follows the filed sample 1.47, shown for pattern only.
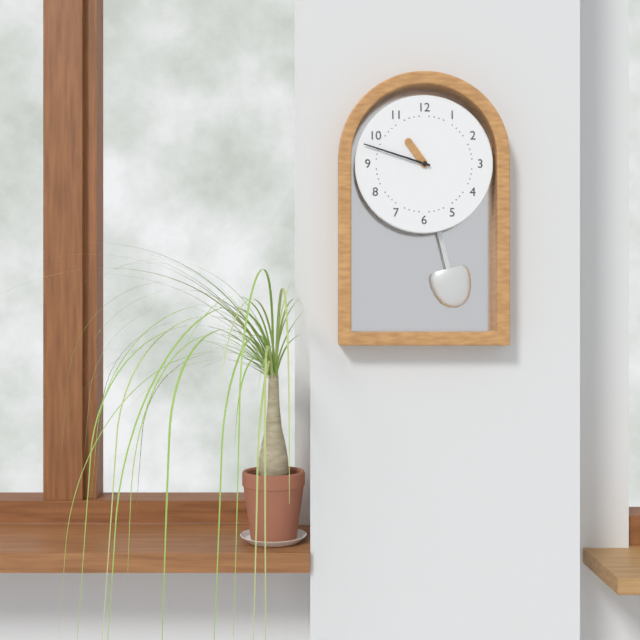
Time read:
10.48
